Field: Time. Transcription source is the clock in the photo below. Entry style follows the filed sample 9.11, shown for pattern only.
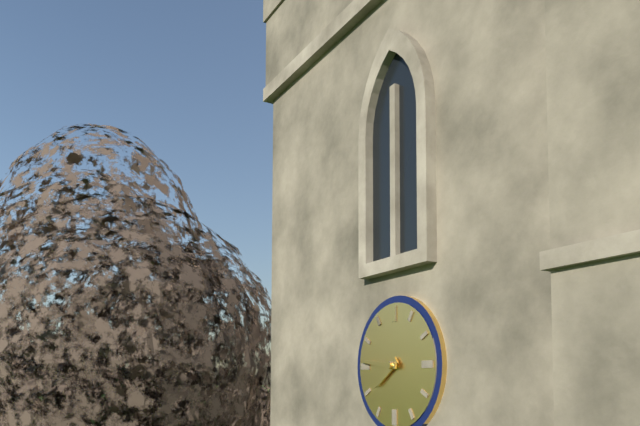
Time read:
7.46
